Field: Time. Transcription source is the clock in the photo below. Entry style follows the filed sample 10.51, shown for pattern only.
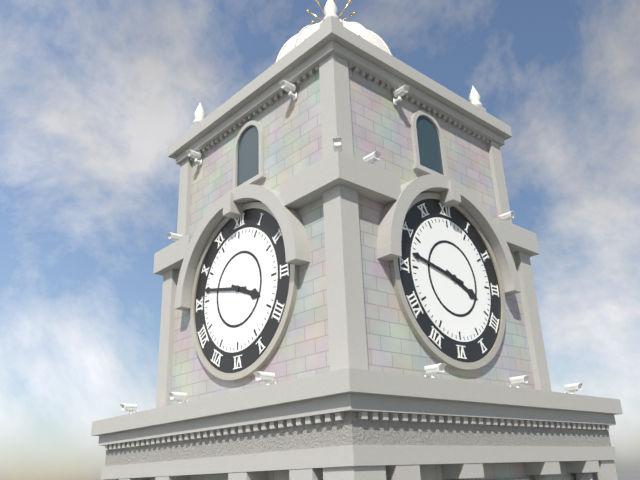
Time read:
3.47
